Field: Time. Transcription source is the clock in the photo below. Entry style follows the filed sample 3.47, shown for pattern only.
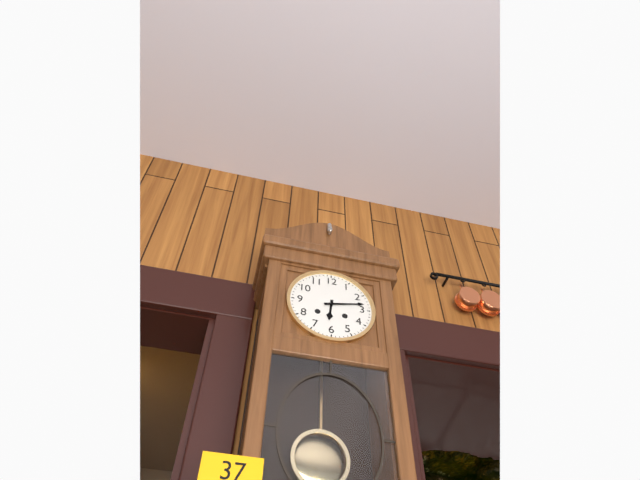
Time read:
6.13
